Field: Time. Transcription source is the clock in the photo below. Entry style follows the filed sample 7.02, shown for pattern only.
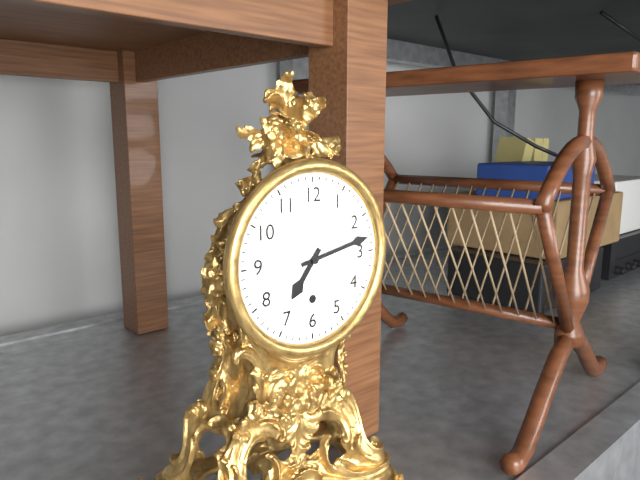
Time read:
7.13
